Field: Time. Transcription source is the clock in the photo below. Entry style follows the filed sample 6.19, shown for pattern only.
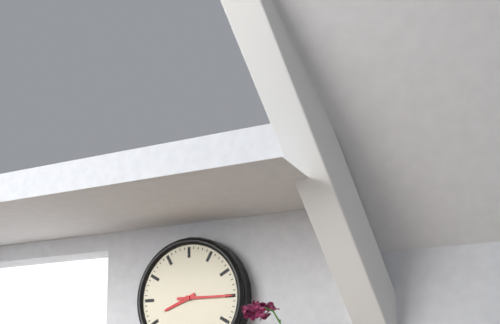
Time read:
8.15
